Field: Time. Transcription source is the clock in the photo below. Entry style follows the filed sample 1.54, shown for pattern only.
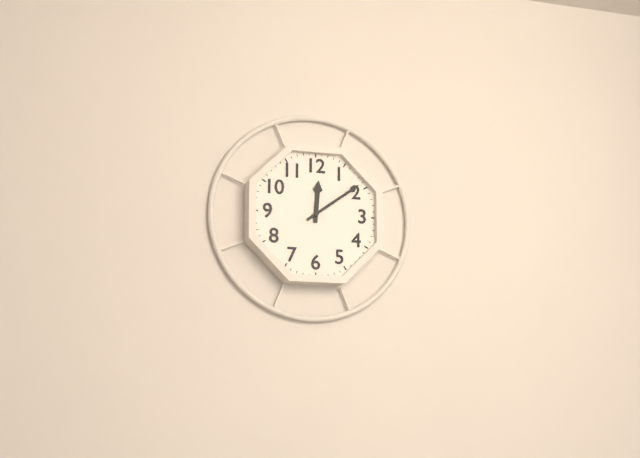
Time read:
12.09
